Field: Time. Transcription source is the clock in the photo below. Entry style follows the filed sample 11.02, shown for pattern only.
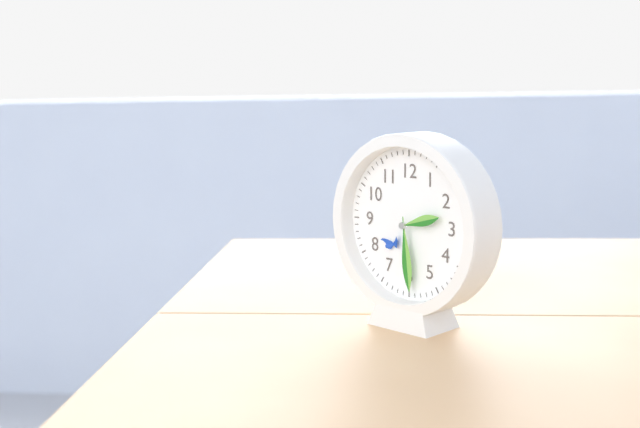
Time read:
2.29
